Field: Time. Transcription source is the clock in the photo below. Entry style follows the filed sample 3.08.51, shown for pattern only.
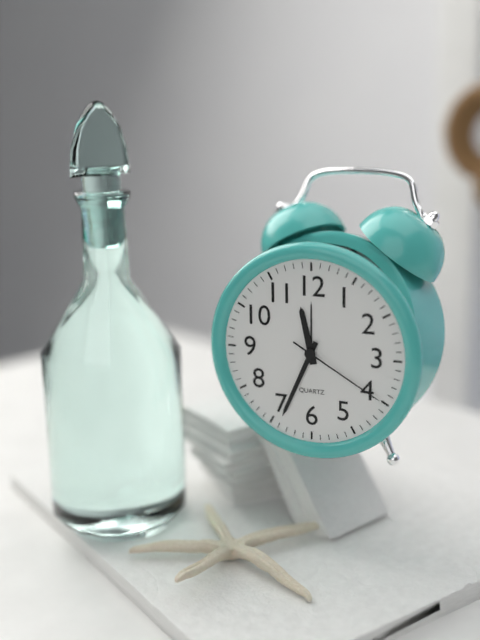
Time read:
11.34.20
